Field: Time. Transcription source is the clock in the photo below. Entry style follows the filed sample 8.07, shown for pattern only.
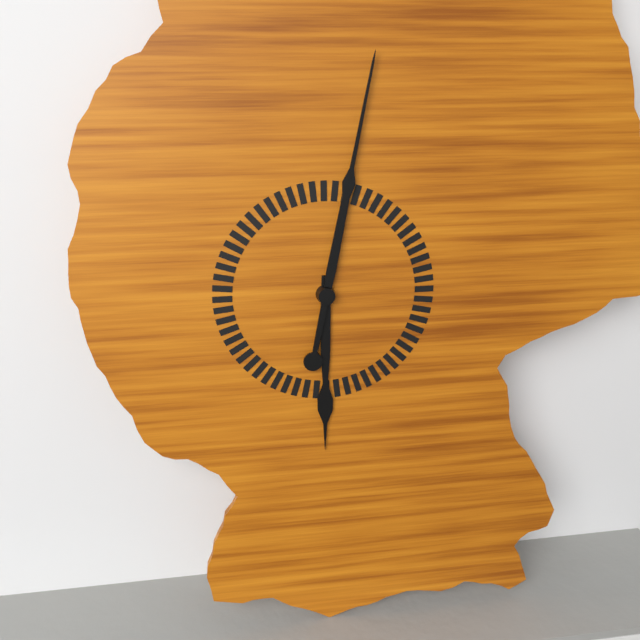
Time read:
6.02
